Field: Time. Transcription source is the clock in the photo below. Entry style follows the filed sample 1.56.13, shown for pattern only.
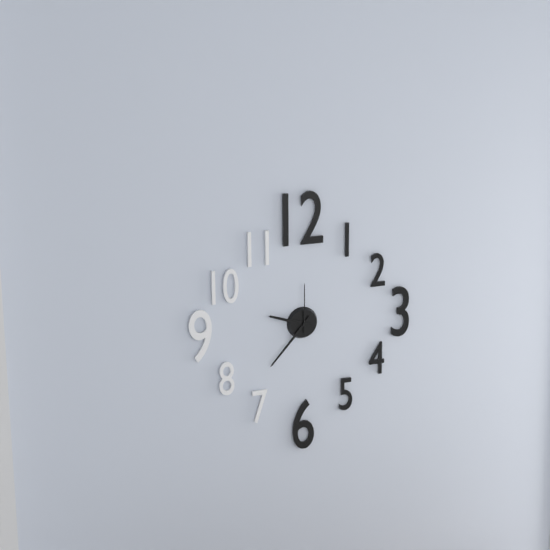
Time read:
9.37.00
